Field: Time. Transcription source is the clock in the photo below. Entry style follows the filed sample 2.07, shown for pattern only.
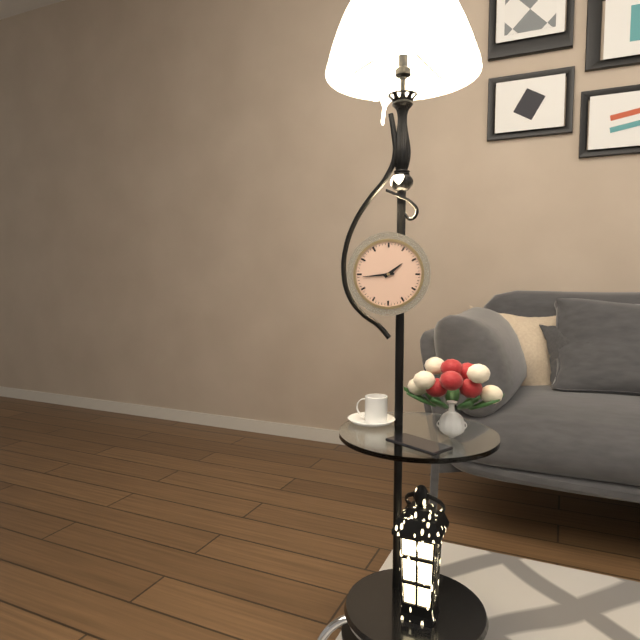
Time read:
1.44
